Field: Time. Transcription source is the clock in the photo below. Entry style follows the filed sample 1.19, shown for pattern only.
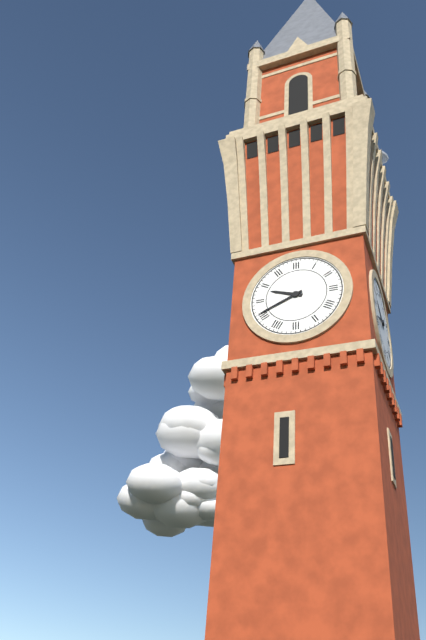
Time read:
9.41
